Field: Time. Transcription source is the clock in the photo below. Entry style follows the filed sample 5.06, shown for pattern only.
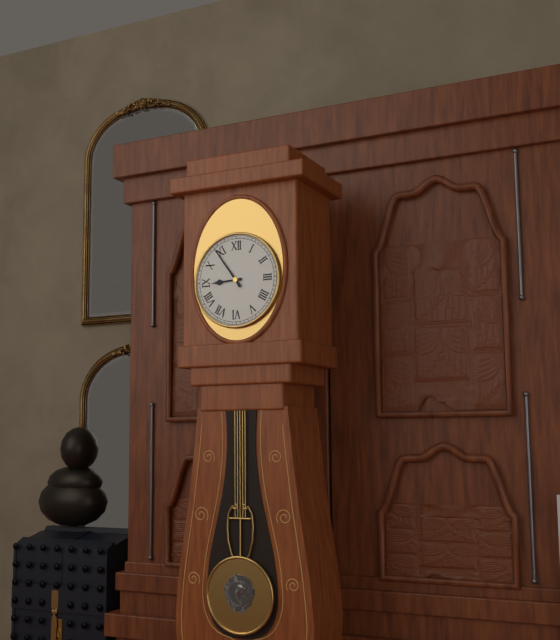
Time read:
8.54
